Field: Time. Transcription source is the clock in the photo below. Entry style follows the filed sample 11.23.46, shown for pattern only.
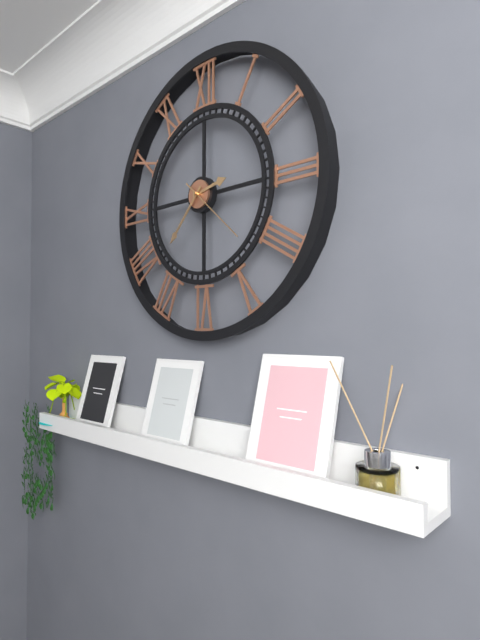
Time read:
2.37.22
